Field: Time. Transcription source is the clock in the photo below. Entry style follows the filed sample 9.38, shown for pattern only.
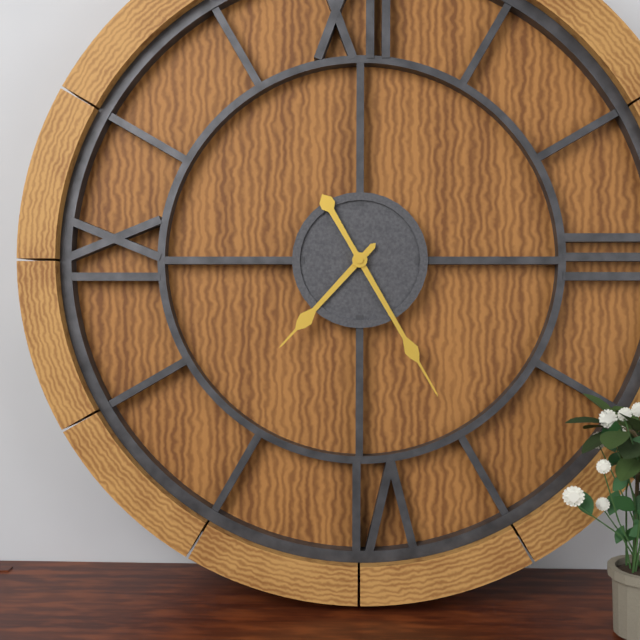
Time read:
7.25
